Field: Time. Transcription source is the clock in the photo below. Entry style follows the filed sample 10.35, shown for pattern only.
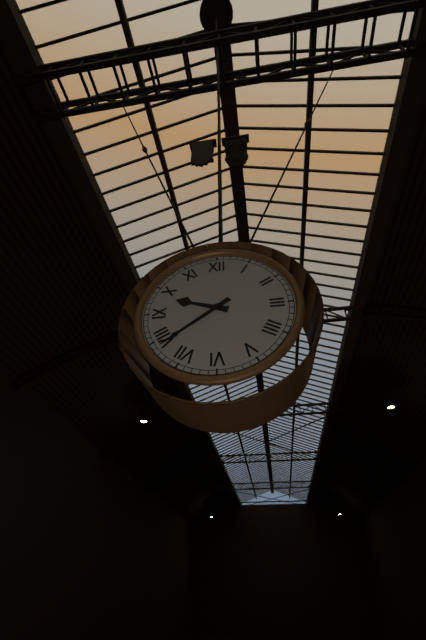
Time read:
9.39
